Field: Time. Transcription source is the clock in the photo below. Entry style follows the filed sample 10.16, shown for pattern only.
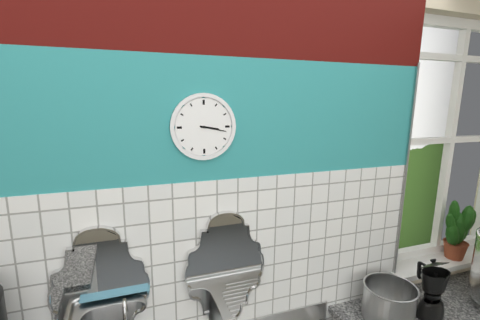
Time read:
3.17
